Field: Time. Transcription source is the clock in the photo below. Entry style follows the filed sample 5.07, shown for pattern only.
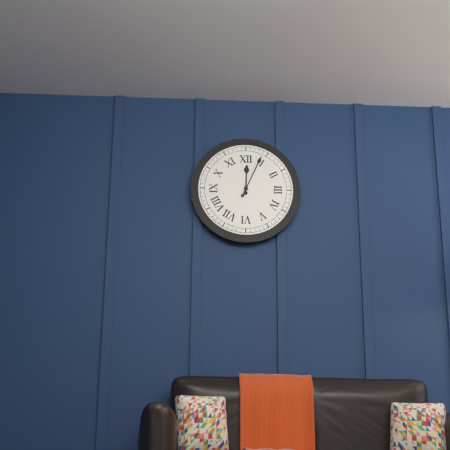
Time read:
12.04
